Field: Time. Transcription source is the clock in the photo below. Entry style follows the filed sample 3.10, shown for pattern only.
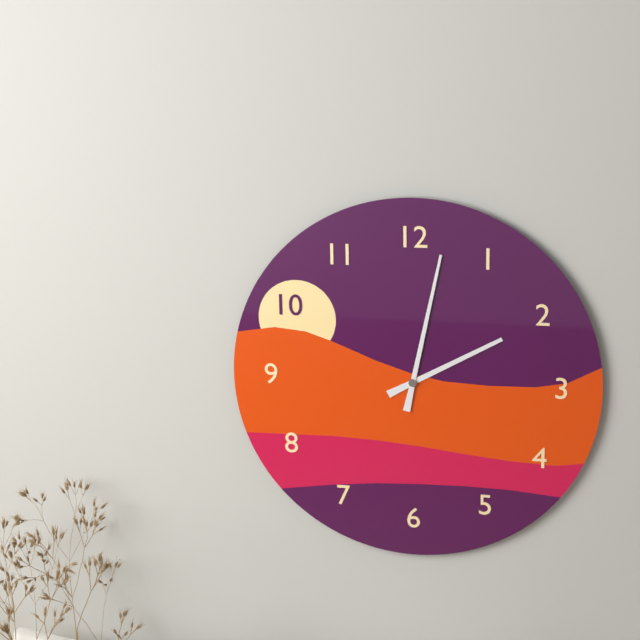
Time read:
2.02
